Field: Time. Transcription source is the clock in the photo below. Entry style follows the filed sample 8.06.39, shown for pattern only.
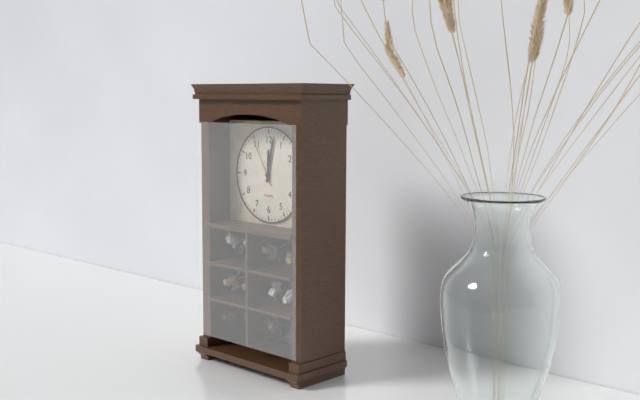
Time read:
12.02.55
